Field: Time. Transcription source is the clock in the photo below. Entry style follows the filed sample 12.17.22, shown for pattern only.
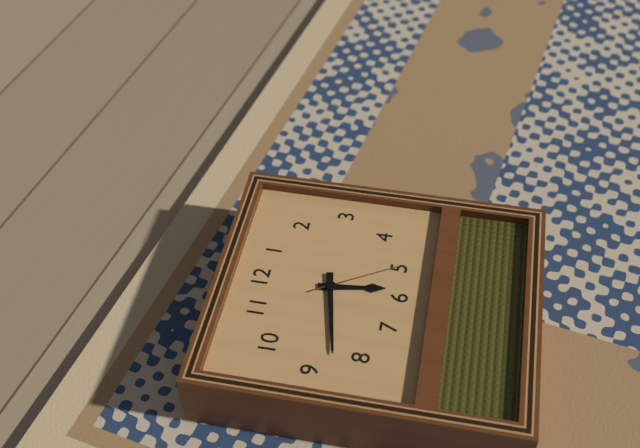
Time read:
5.43.25
